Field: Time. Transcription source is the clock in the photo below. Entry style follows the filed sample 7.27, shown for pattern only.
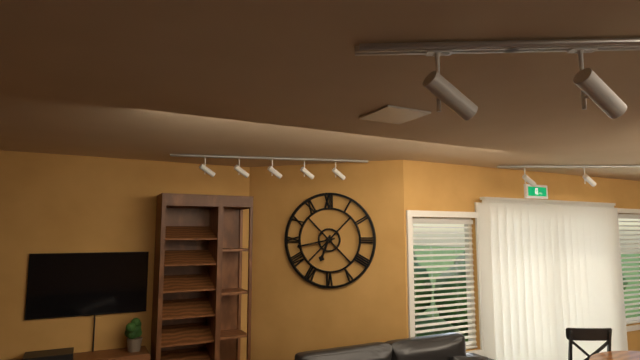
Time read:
6.43
